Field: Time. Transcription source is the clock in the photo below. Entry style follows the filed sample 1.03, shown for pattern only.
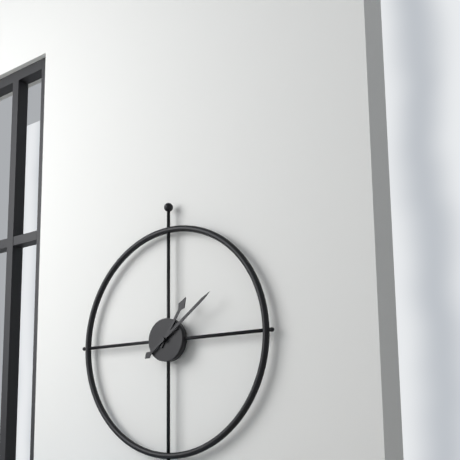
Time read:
1.09
